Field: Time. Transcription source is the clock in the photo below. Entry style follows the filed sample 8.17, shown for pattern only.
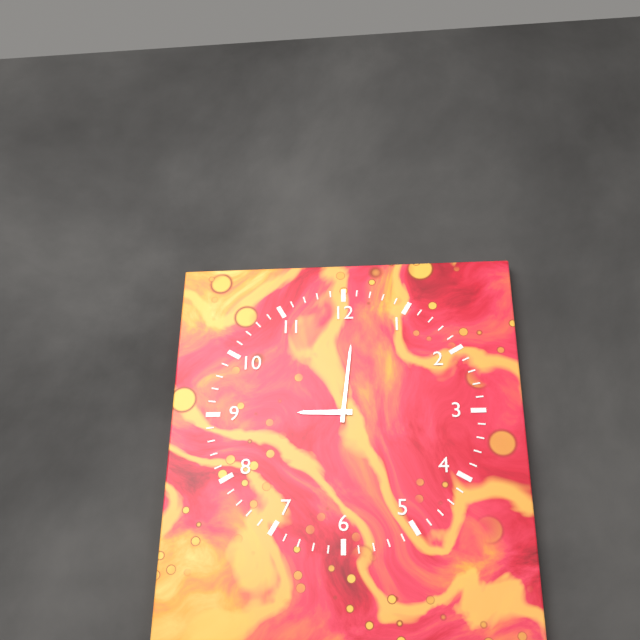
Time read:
9.01
